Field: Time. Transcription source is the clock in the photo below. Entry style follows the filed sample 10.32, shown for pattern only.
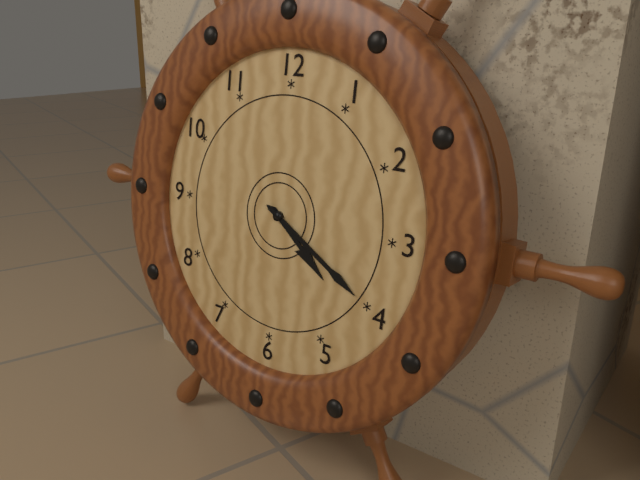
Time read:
4.20
